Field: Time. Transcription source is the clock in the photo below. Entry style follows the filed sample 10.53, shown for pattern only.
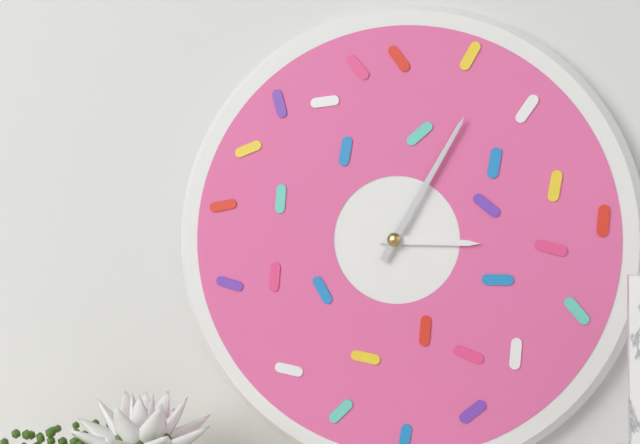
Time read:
3.05
